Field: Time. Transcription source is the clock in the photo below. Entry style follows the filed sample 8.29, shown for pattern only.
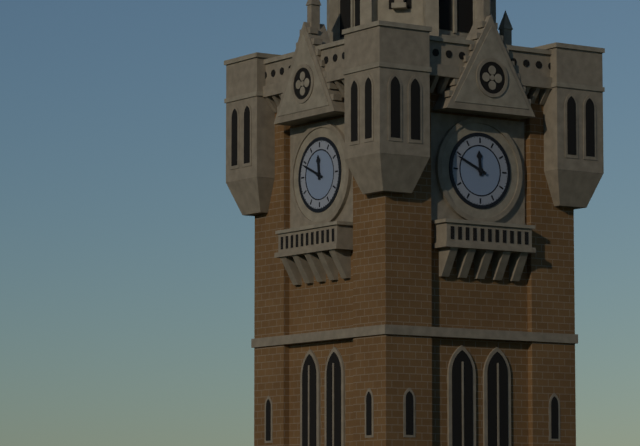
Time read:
11.49
